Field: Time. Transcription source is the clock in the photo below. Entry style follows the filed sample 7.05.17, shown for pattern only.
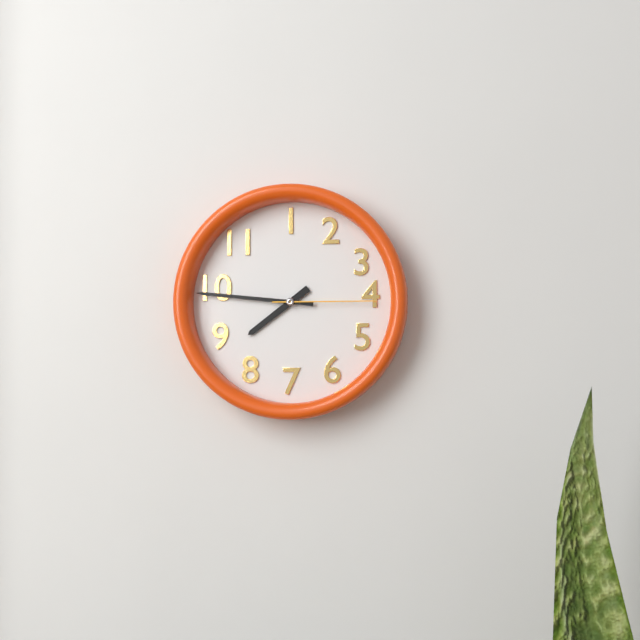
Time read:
7.46.15
